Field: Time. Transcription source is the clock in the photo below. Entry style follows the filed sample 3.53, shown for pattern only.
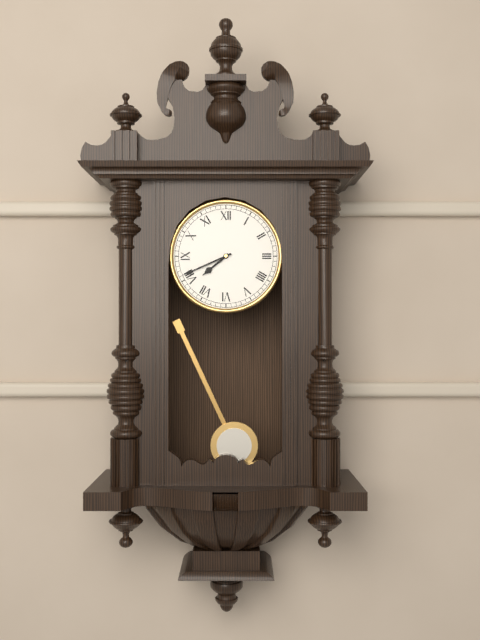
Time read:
7.41
